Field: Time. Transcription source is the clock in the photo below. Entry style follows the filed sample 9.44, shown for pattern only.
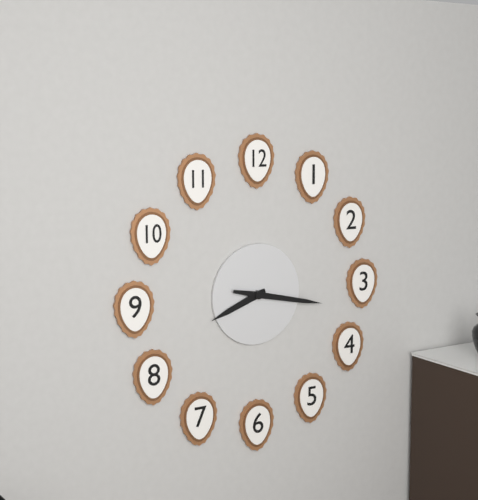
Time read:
8.17
